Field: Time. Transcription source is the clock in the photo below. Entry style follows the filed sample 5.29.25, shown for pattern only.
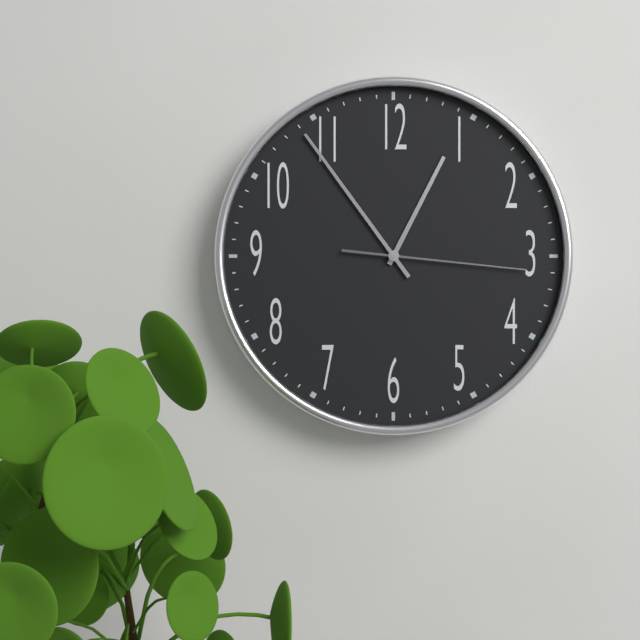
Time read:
12.54.16
